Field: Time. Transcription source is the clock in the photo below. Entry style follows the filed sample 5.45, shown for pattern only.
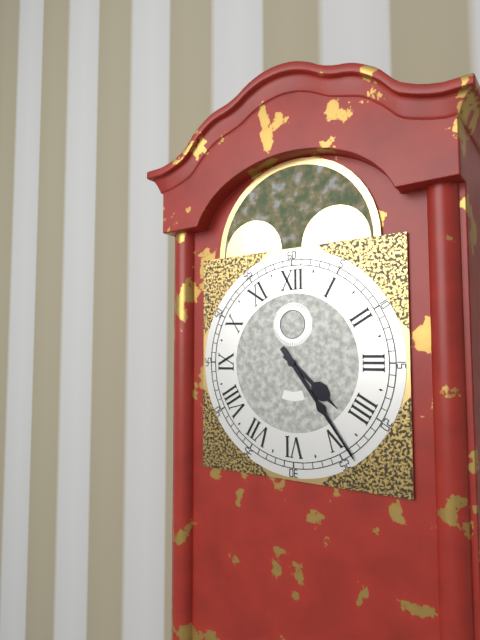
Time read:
4.24
